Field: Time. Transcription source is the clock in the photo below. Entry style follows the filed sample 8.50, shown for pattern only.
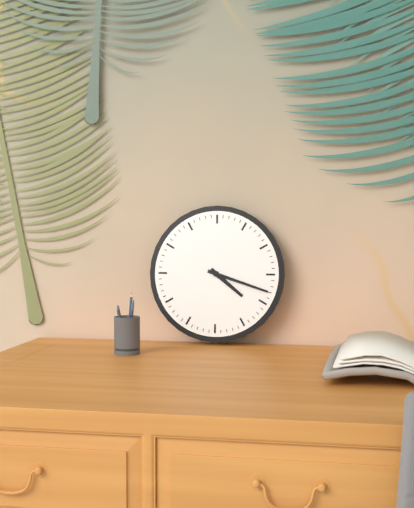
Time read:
4.18
